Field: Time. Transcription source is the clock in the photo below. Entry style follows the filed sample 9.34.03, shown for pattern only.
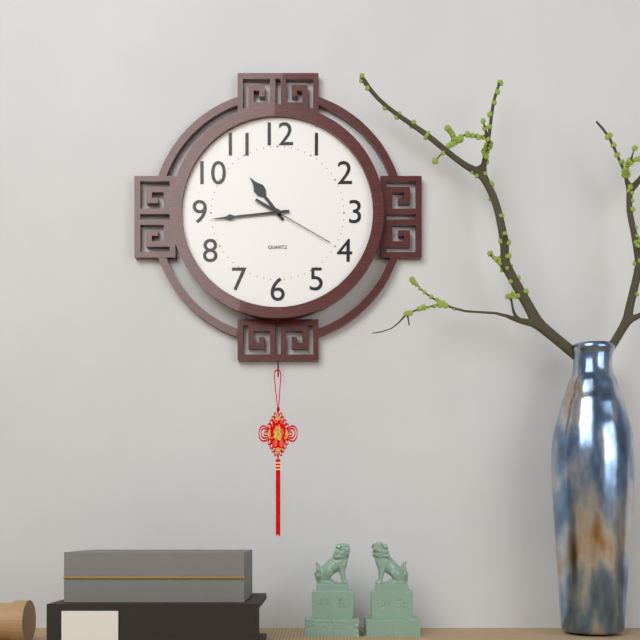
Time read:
10.44.20
